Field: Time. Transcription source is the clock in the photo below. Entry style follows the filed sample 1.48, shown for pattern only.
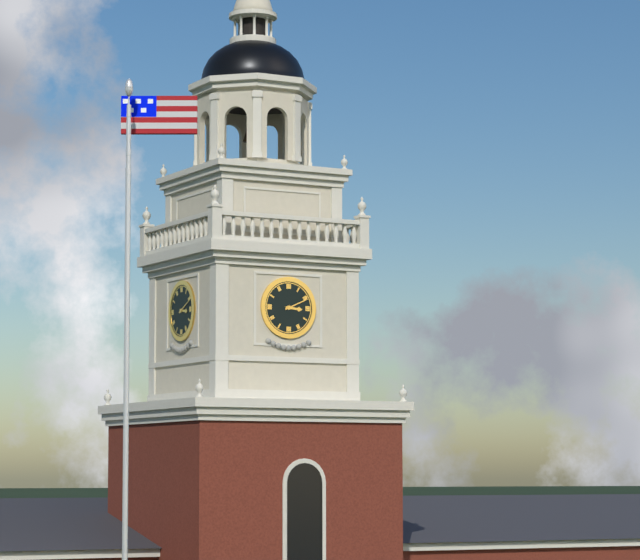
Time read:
3.11
